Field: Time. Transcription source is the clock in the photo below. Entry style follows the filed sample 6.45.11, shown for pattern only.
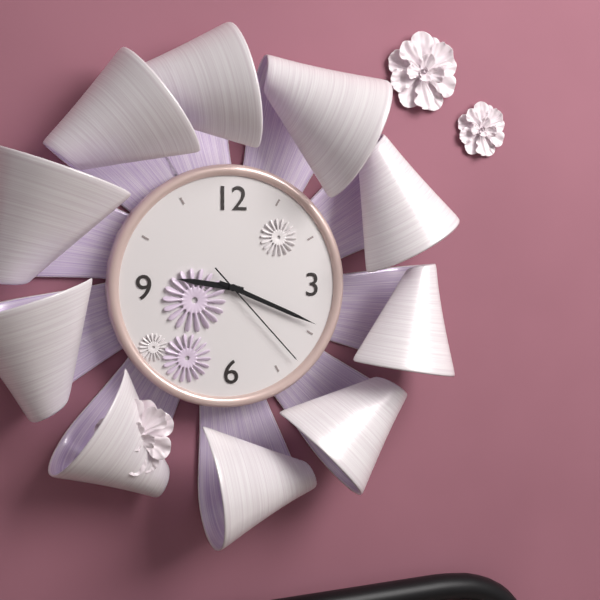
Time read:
9.19.23
